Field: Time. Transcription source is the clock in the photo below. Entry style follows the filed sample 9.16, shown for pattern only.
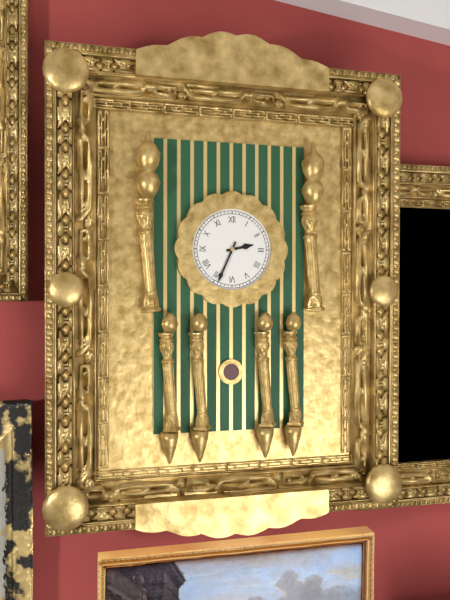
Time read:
2.34
